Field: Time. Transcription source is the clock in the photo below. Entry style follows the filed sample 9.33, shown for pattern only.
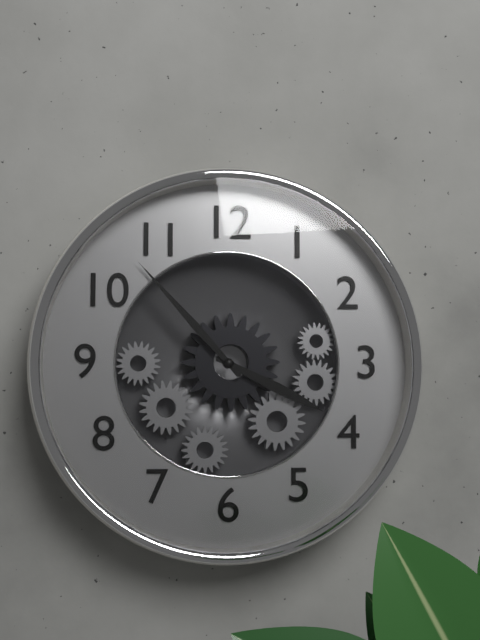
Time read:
3.53
